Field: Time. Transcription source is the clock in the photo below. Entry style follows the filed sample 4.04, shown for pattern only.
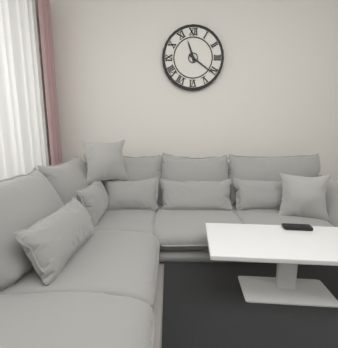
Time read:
11.21
